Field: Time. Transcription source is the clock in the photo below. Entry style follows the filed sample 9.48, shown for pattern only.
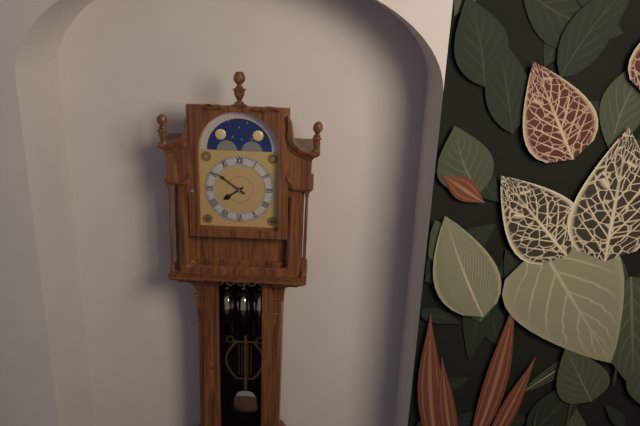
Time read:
7.51
